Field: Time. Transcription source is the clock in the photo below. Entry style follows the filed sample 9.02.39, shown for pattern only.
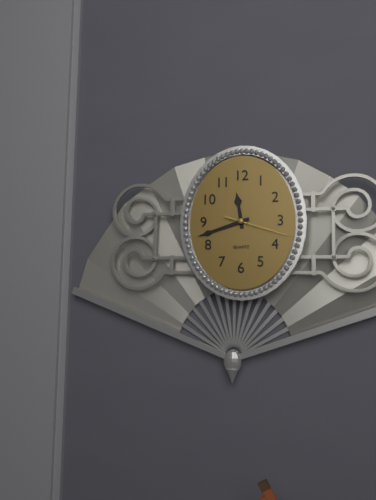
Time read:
11.42.18
